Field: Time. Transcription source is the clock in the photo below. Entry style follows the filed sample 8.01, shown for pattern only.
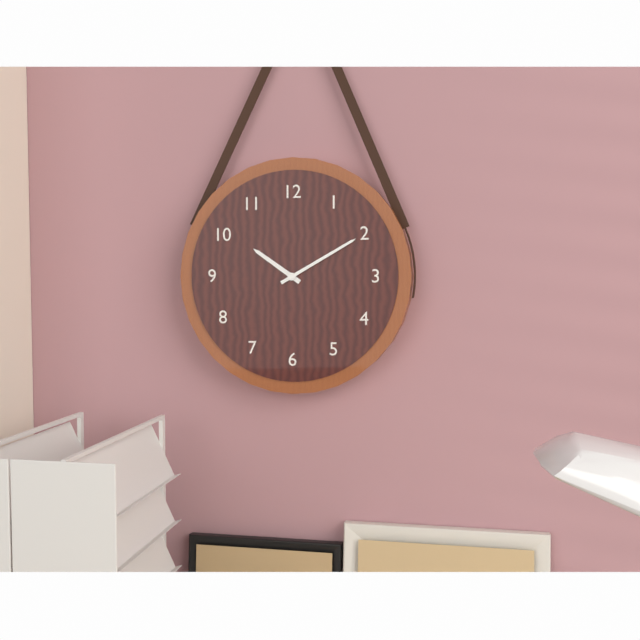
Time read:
10.10
